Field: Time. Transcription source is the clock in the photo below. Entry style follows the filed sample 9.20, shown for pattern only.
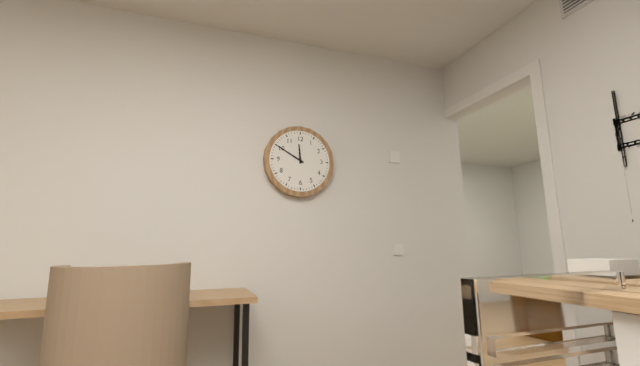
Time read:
11.50
